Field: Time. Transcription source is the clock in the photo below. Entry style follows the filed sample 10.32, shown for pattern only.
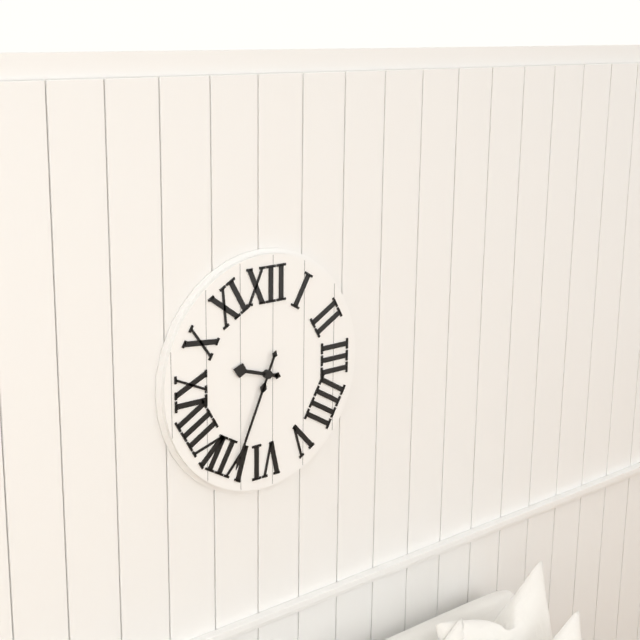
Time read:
9.34
